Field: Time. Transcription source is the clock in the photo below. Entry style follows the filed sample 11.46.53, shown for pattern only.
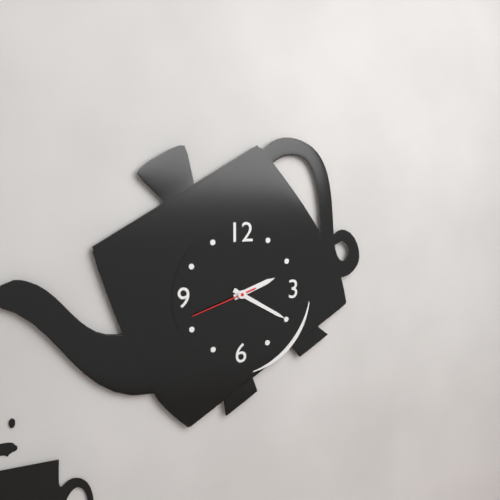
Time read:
2.20.42
